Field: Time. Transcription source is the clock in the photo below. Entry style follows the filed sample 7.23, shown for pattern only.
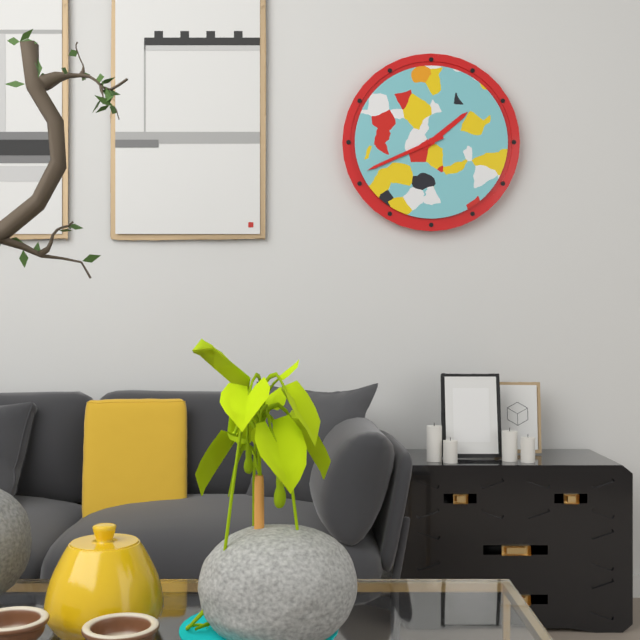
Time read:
1.41
